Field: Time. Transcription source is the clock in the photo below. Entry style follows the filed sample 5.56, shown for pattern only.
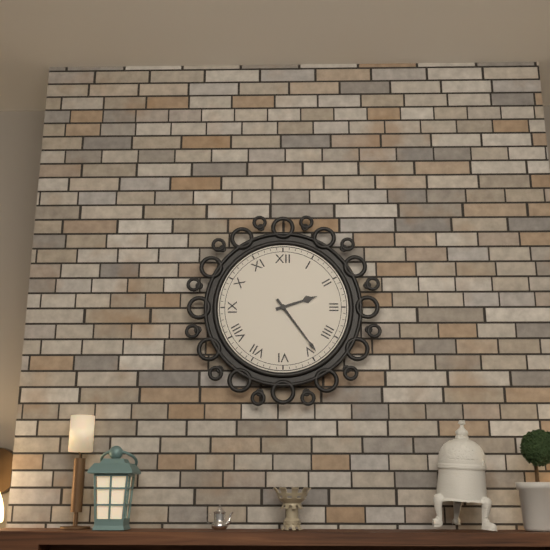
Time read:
2.24
